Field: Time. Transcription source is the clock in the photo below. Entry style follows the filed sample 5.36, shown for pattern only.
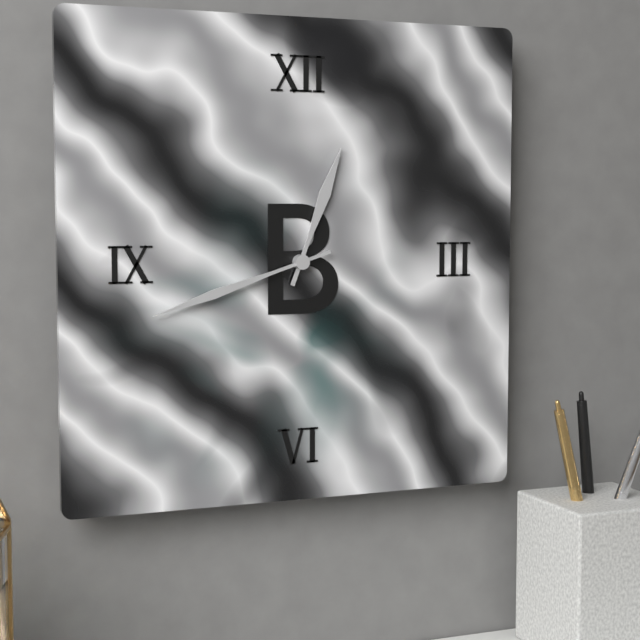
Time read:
12.42
